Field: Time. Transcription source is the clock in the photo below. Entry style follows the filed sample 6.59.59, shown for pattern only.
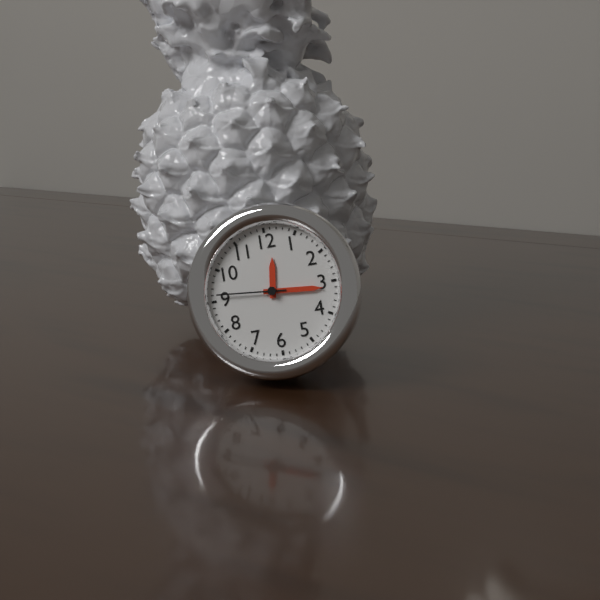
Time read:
12.16.46
